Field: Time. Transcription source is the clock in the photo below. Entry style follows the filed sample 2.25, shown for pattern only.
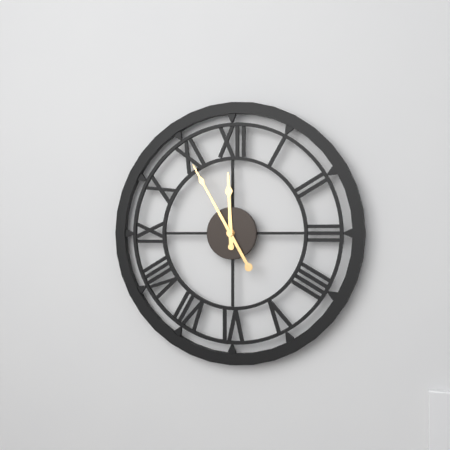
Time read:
11.55
